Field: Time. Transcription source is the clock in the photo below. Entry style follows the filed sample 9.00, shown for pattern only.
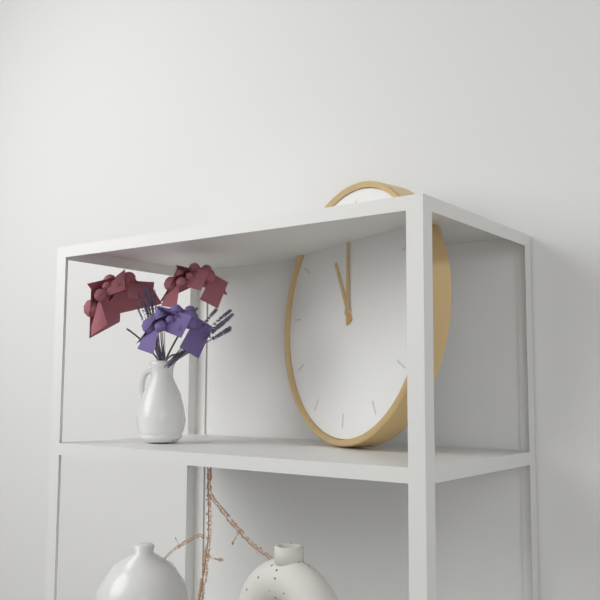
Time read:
10.59
